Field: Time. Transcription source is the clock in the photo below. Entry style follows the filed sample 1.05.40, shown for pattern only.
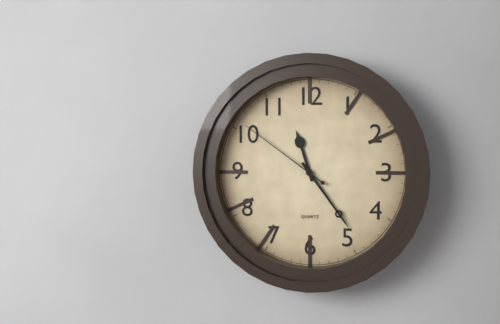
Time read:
11.24.51
